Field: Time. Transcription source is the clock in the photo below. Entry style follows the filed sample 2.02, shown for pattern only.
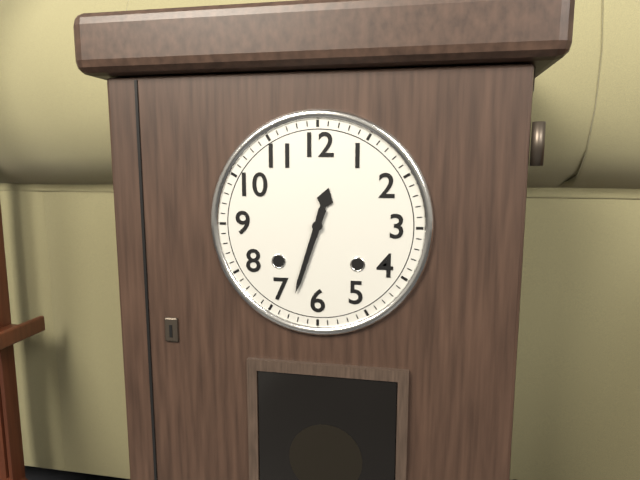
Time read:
12.33
